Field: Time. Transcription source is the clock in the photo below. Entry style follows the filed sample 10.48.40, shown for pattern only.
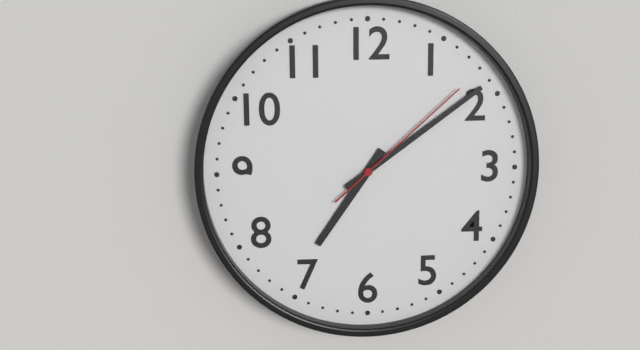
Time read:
7.09.08
